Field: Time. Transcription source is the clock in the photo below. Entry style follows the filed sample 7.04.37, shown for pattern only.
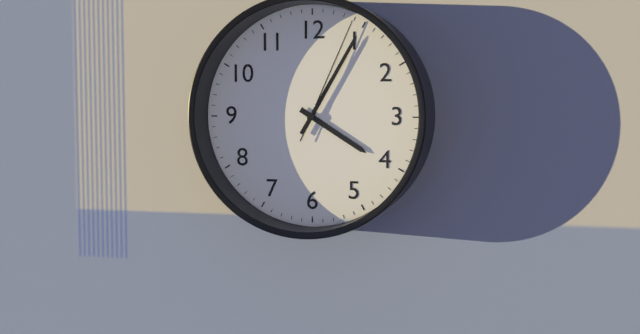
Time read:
4.05.04
